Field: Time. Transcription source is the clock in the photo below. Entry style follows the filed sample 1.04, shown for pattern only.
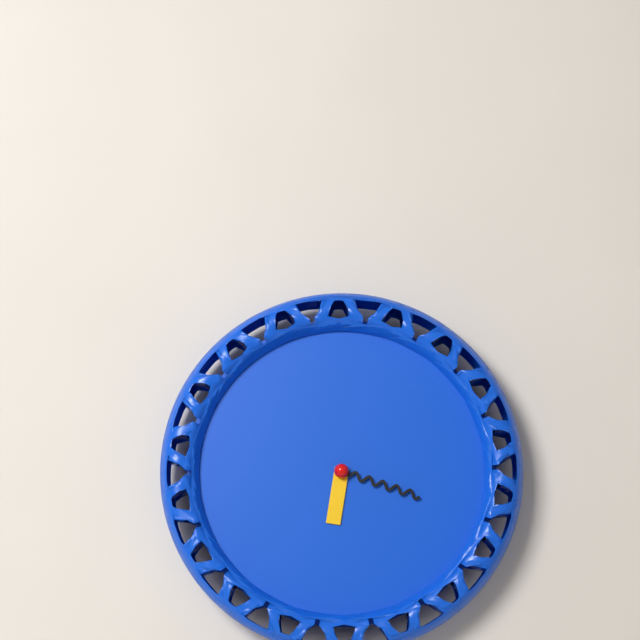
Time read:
6.18
